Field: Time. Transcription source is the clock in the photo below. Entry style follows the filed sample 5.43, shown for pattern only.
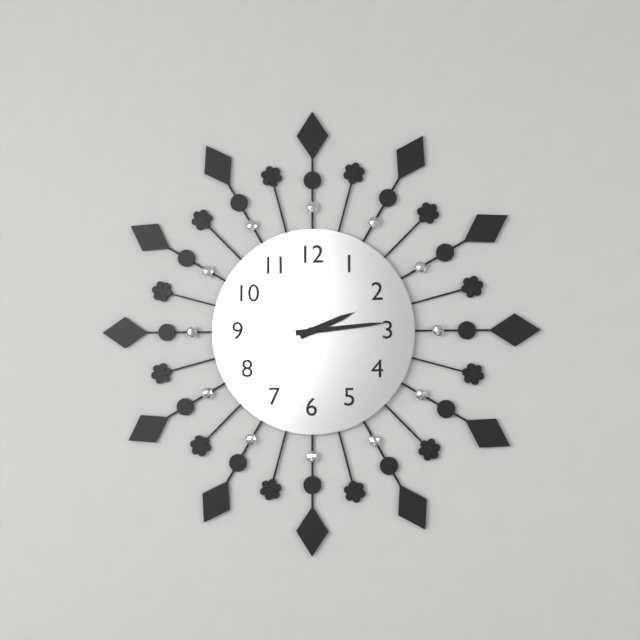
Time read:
2.14
